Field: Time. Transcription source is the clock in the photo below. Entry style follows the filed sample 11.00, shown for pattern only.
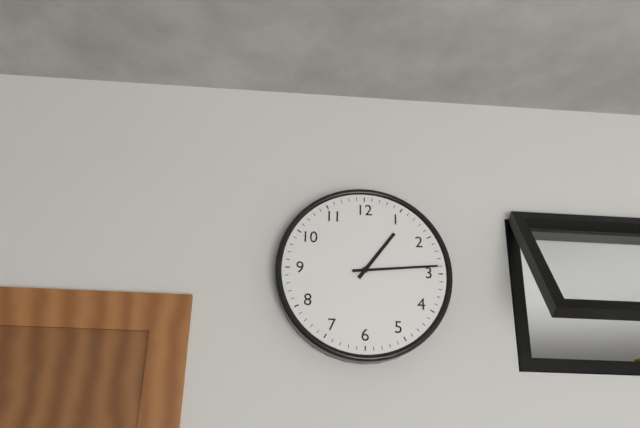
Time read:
1.14
